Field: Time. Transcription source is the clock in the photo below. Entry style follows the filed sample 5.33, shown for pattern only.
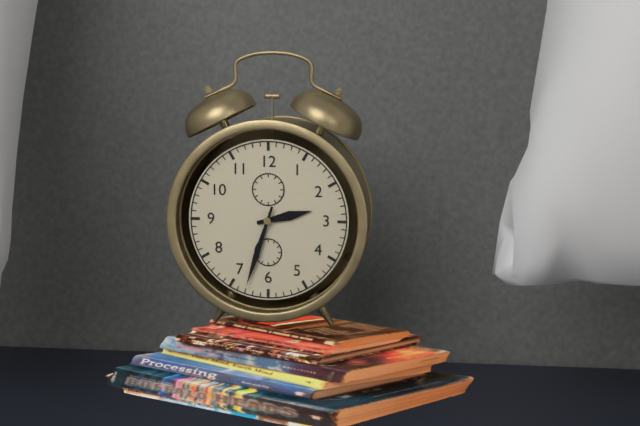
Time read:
2.33
